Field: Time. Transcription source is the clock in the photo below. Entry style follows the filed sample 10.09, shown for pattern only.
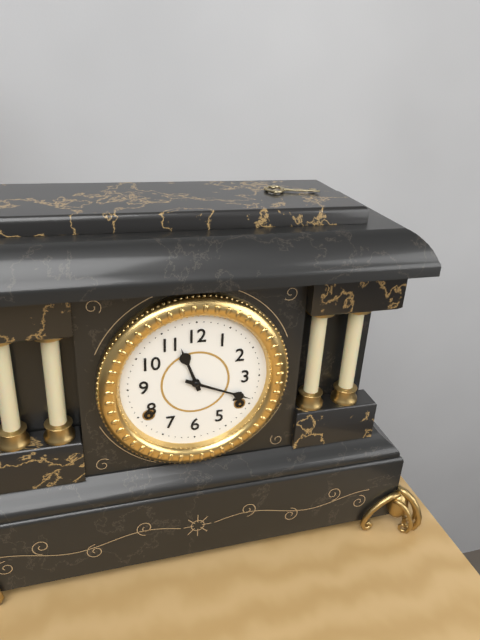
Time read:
11.19
